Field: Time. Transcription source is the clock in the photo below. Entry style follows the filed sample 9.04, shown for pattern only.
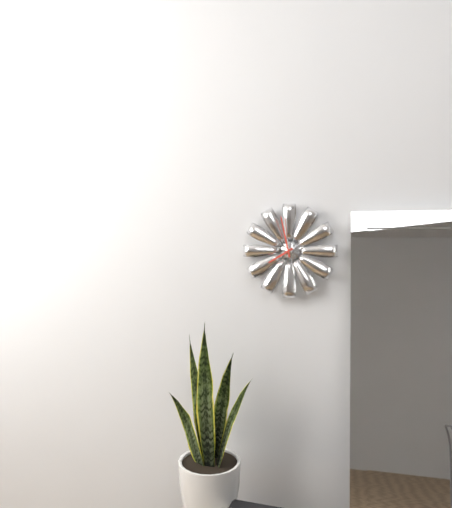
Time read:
7.58
